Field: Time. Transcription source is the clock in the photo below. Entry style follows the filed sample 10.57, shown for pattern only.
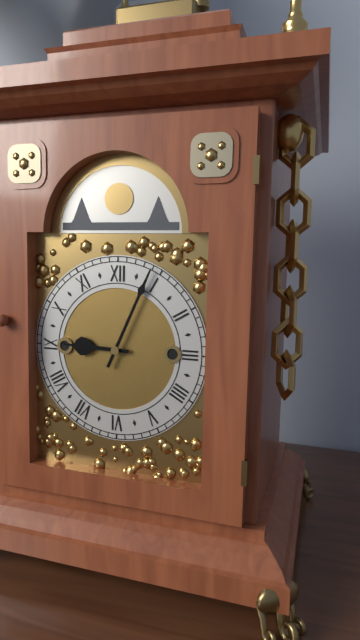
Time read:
9.04
